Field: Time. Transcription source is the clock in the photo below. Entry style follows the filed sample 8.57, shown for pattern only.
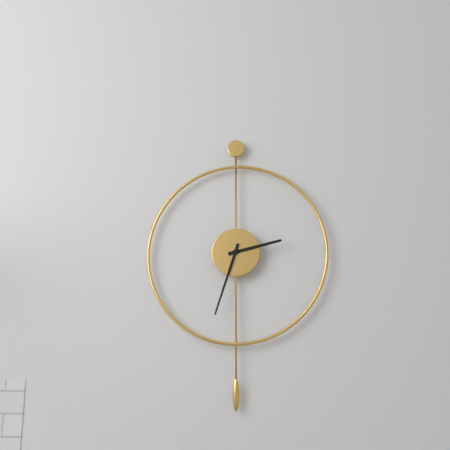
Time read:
2.33
